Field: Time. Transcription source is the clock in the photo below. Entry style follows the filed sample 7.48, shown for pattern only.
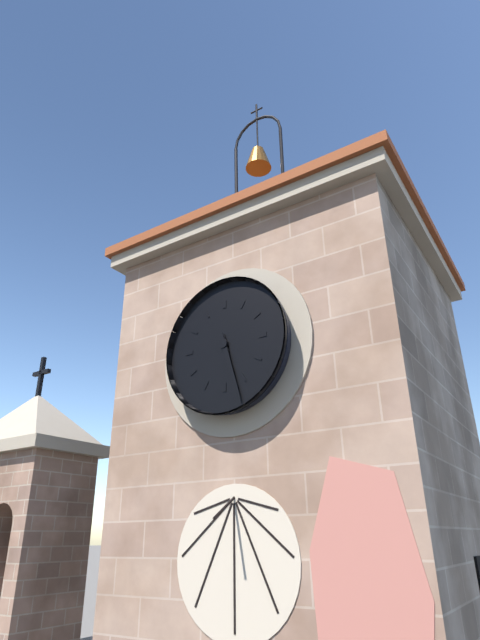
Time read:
5.27
